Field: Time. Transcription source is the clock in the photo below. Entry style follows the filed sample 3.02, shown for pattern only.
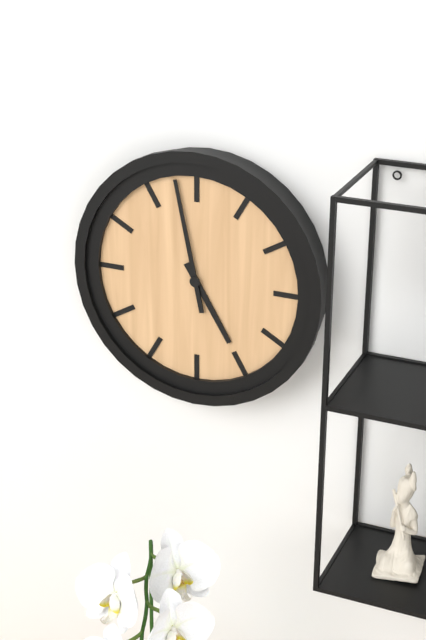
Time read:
4.58
